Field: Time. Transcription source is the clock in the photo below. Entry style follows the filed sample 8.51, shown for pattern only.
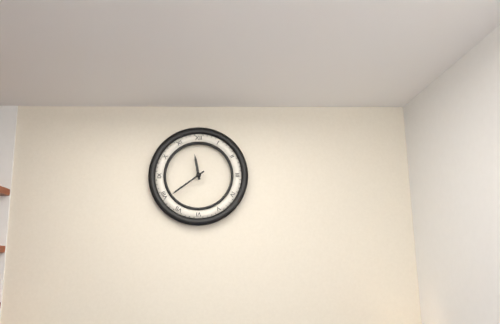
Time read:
11.39
